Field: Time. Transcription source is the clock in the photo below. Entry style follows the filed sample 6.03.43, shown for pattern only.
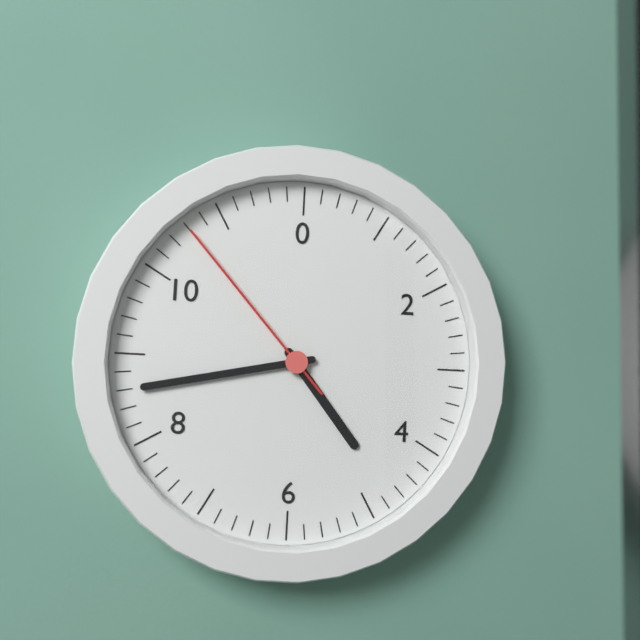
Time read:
4.43.53
